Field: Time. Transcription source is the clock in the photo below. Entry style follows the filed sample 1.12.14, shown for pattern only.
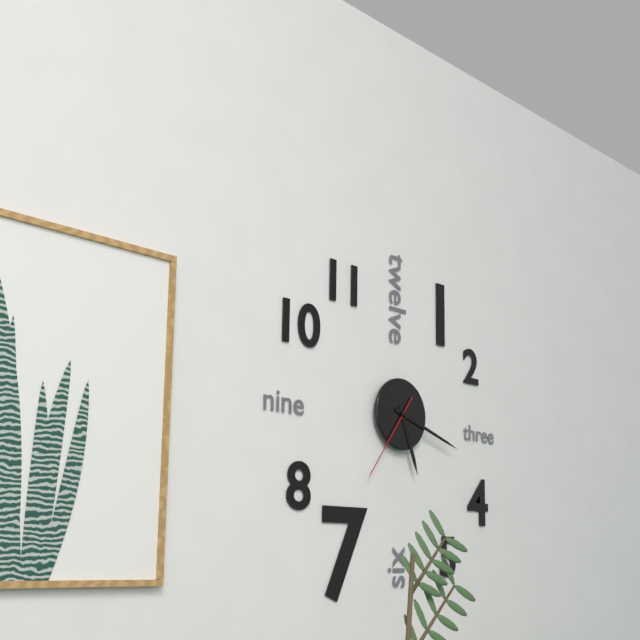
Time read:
5.18.36
